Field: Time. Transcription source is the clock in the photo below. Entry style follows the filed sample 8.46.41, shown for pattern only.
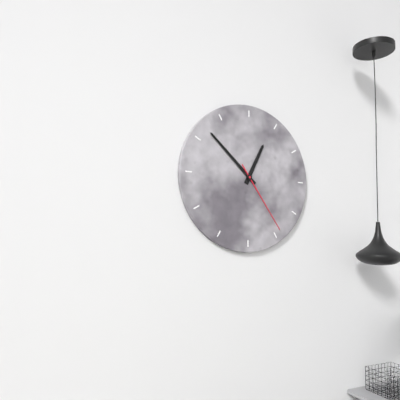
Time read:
12.52.24
